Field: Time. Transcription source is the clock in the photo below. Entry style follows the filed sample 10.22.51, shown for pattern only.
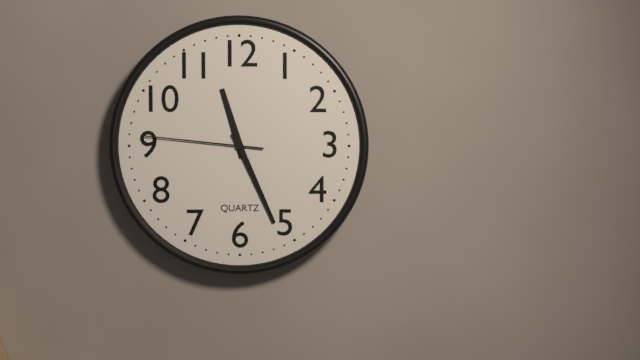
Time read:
11.26.46
